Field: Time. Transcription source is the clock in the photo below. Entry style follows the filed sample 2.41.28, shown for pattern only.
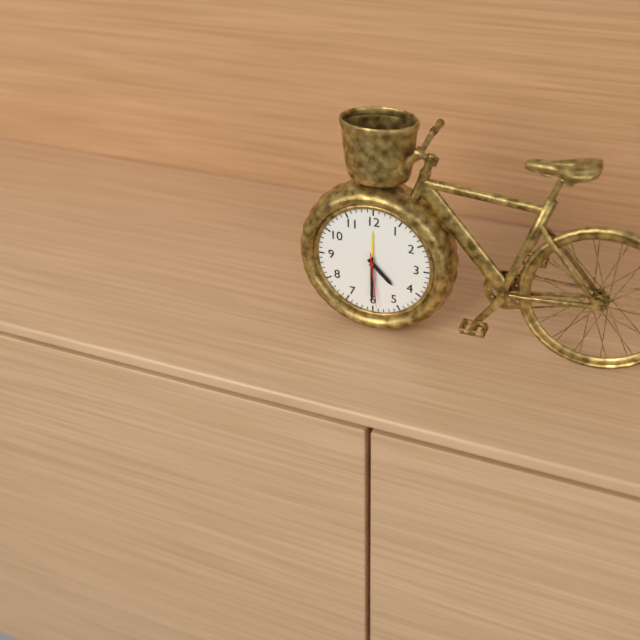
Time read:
4.30.29
